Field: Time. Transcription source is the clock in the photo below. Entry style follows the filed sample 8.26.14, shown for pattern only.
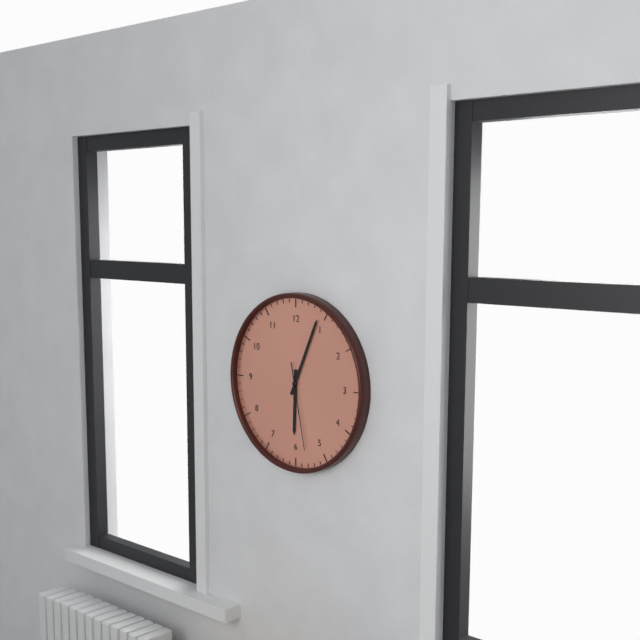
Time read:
6.04.28
